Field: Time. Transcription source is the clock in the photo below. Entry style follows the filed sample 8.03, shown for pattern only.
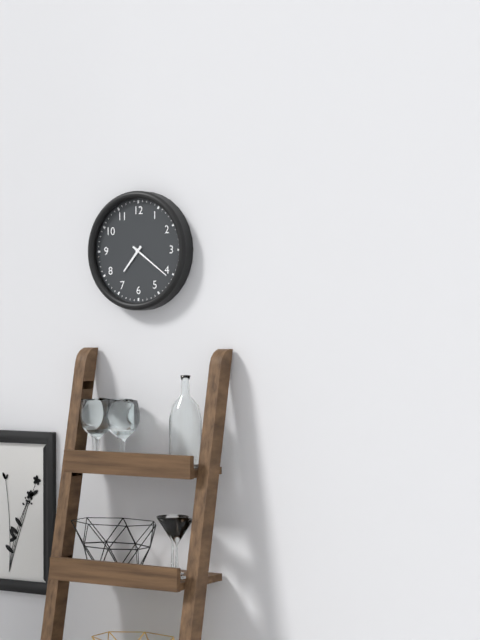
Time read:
7.21
